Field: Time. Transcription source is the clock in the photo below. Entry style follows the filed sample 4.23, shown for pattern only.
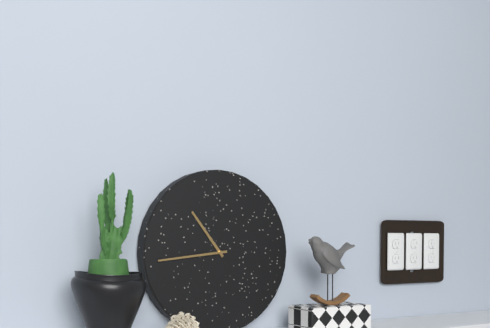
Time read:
10.44
